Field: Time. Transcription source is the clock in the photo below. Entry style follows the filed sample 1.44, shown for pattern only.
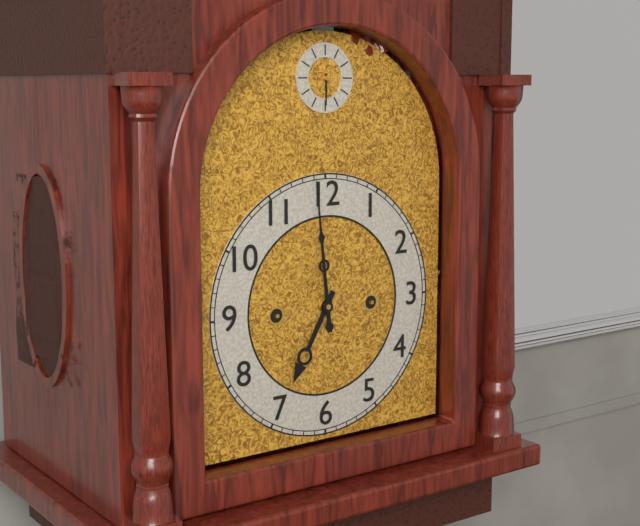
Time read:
6.59
